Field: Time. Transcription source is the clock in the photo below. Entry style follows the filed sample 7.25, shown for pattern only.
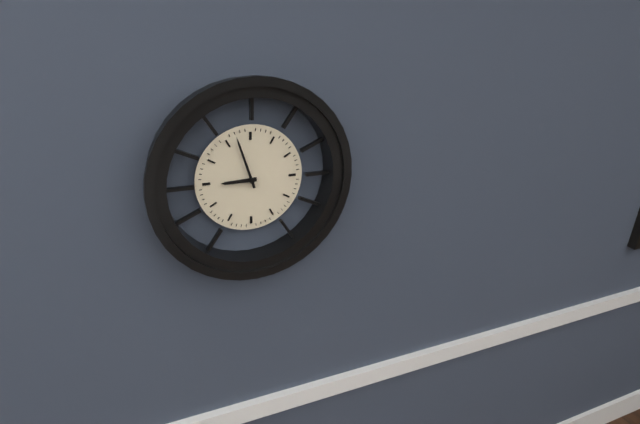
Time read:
8.57
